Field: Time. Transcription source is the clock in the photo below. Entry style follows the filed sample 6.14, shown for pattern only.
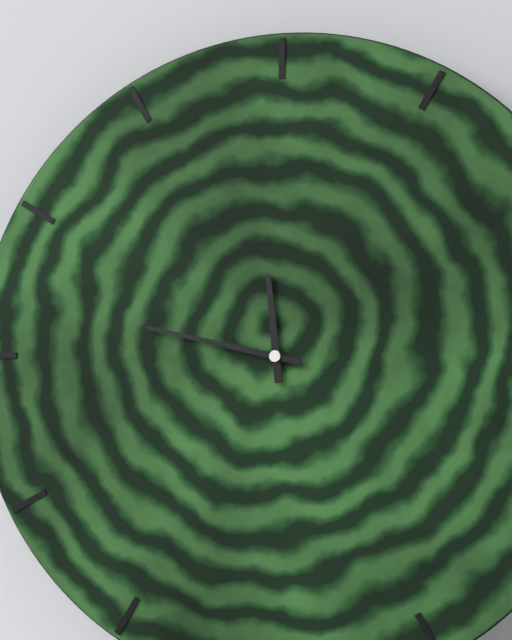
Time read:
11.47
